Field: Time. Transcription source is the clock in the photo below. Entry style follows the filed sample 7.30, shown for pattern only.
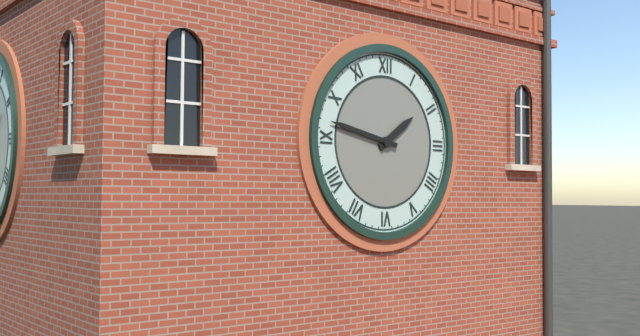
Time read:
1.47
